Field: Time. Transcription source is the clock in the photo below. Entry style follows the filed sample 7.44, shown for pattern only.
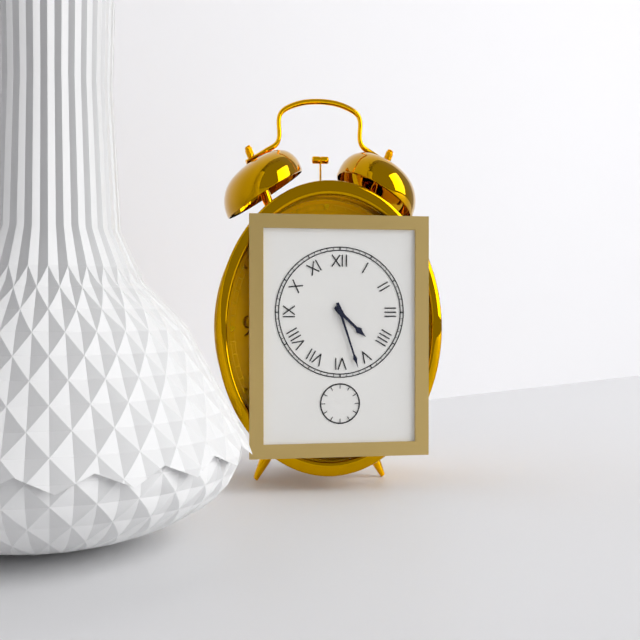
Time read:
4.27
